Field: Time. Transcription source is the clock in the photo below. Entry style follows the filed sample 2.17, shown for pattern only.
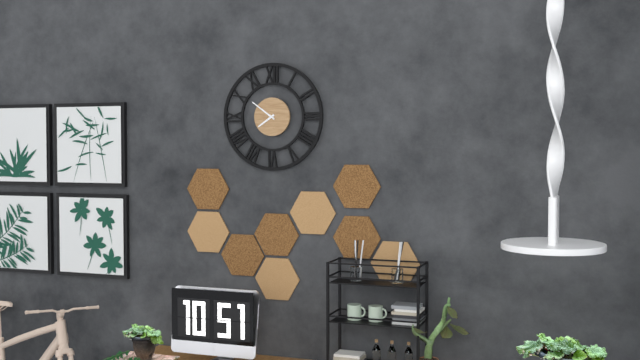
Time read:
7.51
